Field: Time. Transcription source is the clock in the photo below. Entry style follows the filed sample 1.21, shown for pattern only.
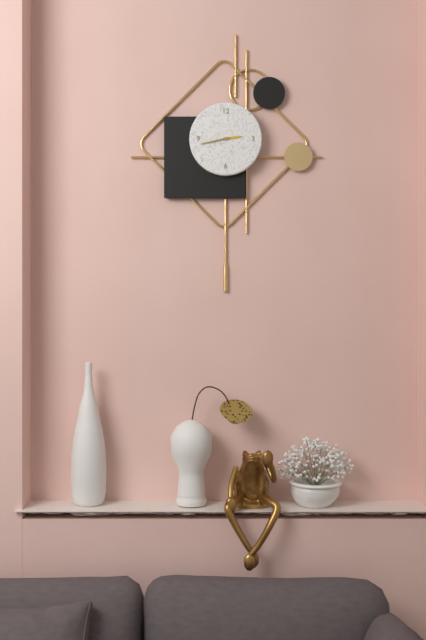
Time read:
2.43
